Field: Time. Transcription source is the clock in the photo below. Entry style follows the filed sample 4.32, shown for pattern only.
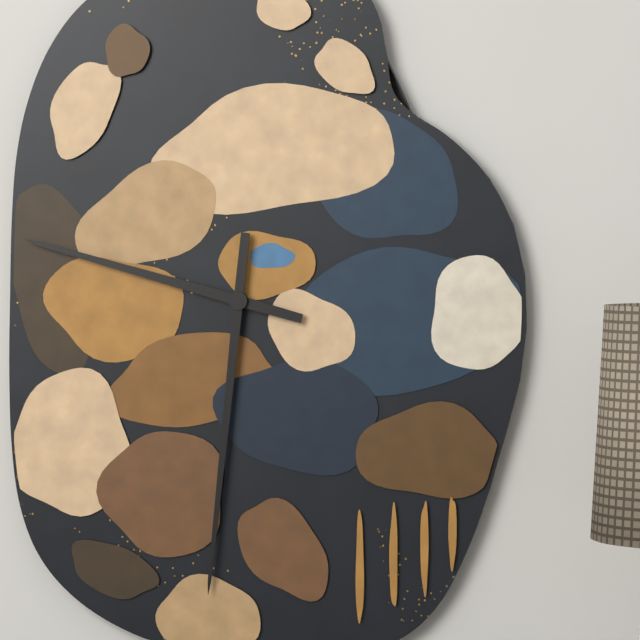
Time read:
9.31
